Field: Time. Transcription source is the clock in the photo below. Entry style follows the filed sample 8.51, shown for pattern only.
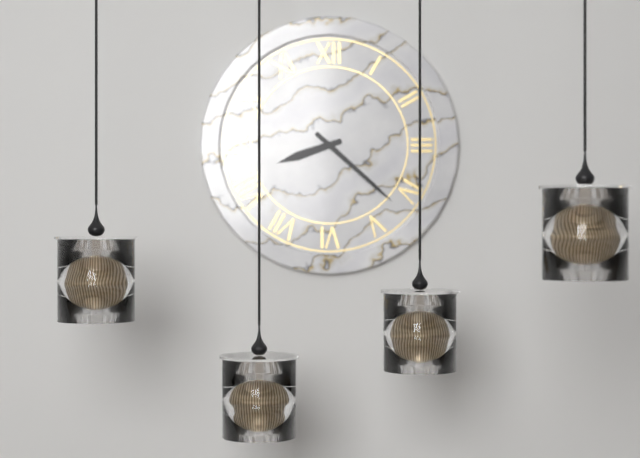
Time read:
8.22
